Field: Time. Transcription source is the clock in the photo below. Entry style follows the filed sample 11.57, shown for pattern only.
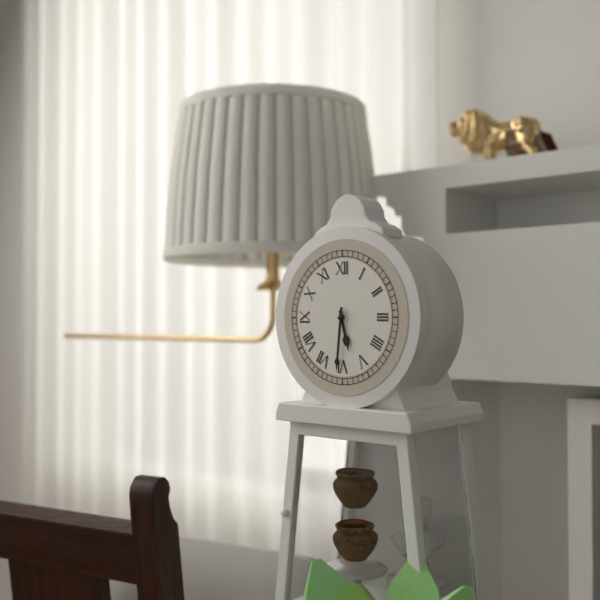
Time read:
5.31
